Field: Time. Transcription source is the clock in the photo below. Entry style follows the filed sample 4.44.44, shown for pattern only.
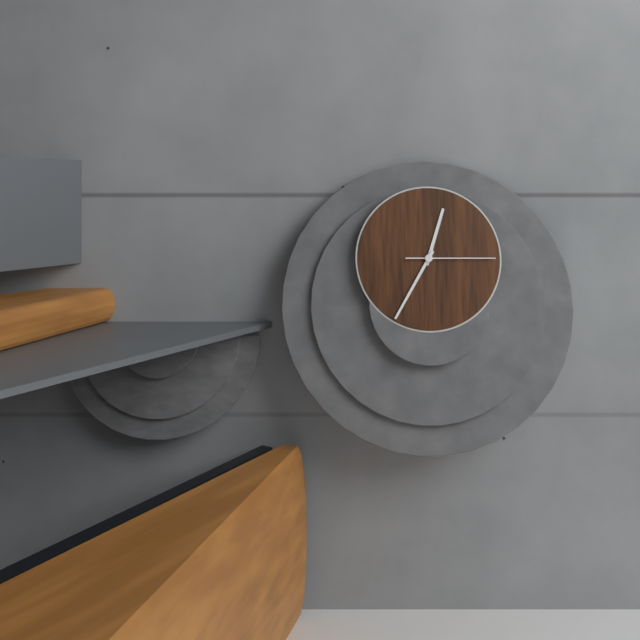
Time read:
12.35.15
